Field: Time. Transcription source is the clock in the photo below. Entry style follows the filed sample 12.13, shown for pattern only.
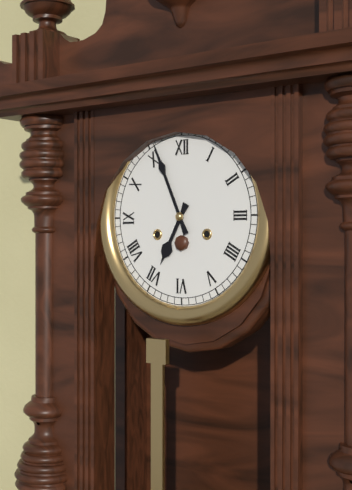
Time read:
6.56
